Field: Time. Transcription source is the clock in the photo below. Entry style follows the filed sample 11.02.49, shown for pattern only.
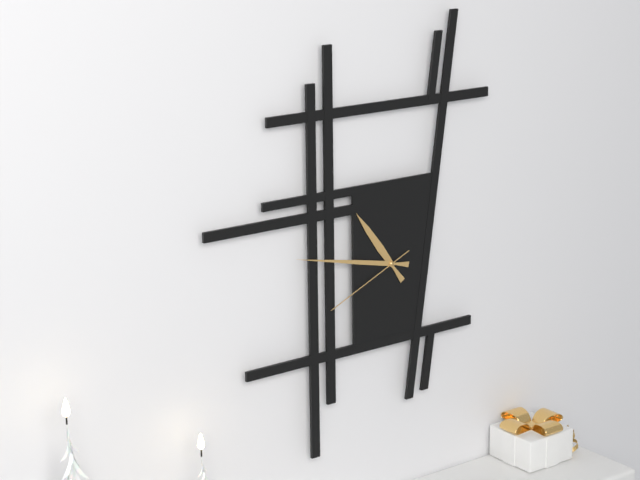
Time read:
10.47.41
